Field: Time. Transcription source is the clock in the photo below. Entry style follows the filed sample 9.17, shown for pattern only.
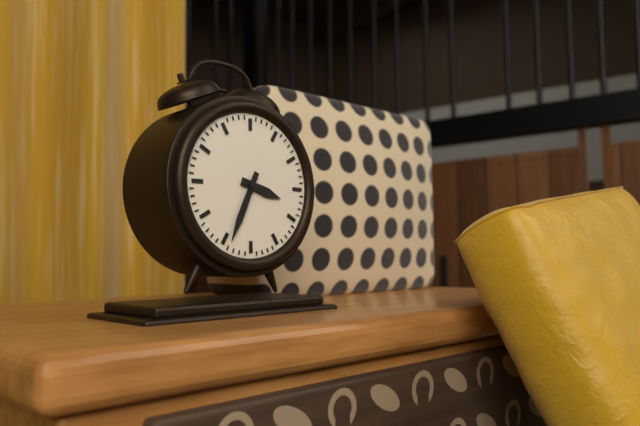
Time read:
3.34
